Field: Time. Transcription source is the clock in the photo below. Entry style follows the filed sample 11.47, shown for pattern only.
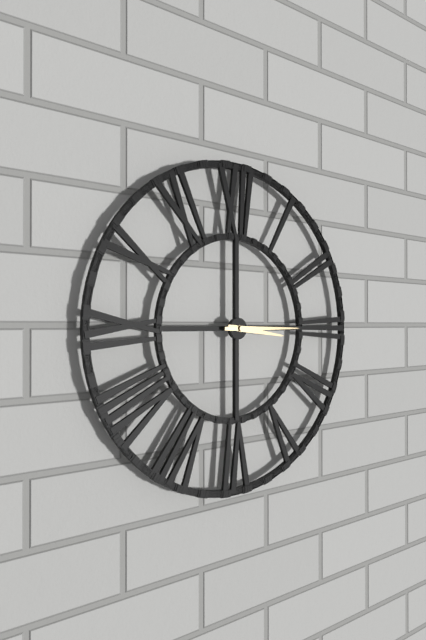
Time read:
3.15
